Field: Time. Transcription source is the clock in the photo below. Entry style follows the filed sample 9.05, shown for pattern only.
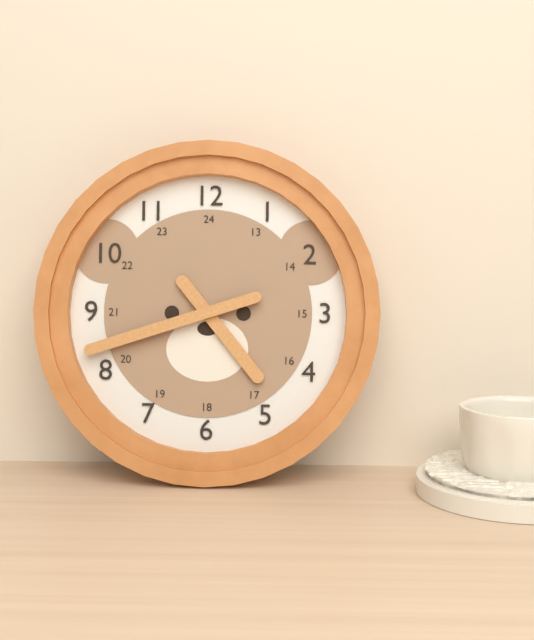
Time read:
4.42
